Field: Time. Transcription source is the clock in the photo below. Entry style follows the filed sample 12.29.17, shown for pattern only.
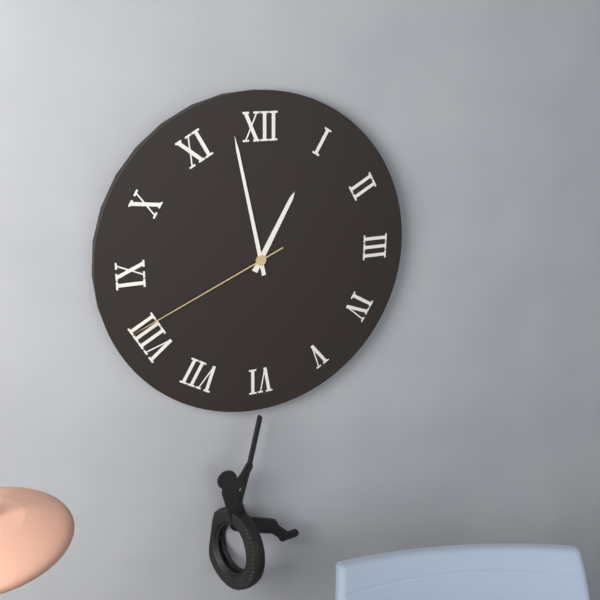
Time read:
12.58.41
